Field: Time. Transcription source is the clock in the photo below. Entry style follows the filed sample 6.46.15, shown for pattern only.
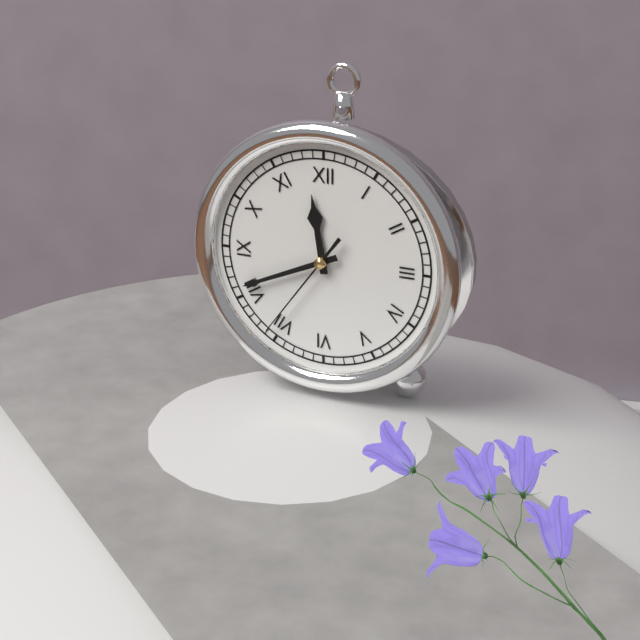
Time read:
11.41.36
